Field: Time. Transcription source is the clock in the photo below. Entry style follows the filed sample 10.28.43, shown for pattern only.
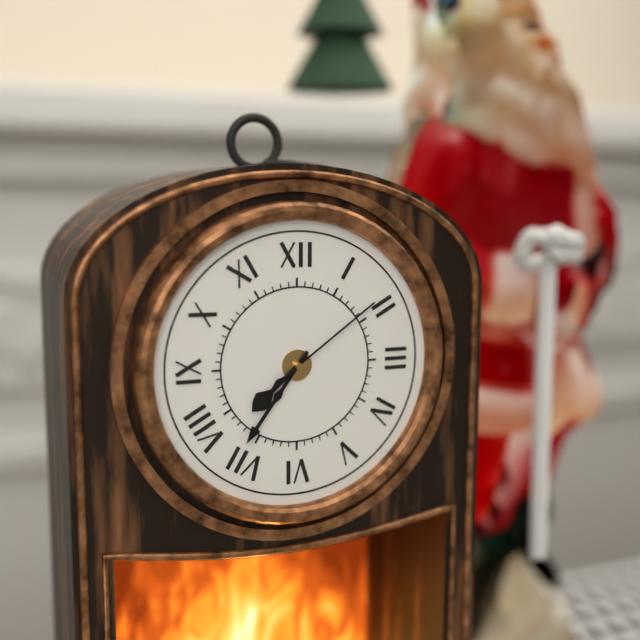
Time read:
7.36.09
